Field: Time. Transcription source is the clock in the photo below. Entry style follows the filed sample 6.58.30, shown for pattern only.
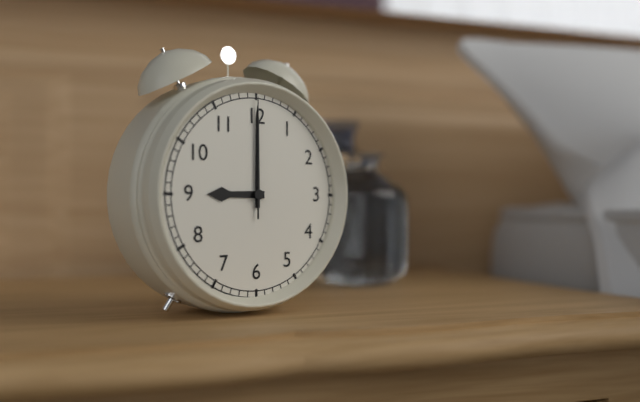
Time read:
9.00.00
